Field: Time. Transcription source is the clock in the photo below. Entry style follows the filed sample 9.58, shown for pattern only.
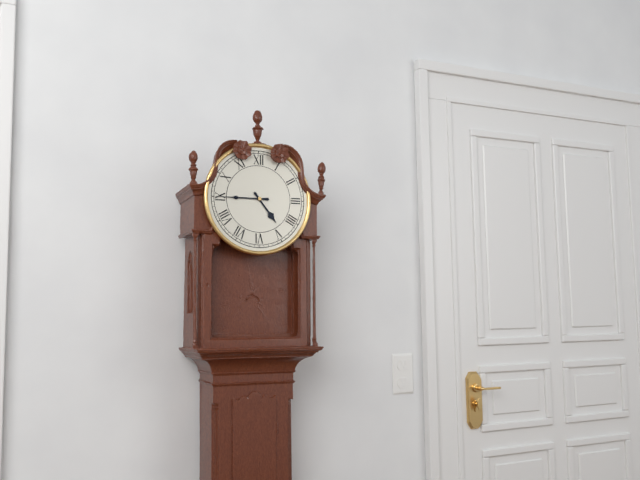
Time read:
4.45
